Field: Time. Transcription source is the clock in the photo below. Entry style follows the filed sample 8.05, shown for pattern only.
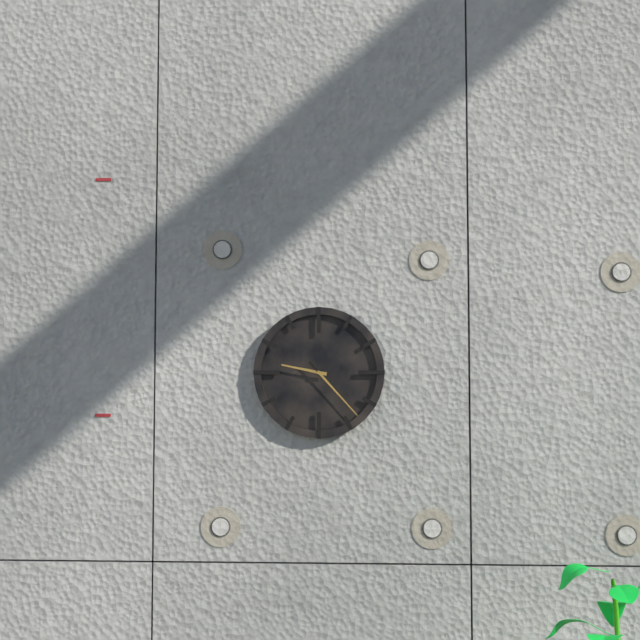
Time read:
9.23
